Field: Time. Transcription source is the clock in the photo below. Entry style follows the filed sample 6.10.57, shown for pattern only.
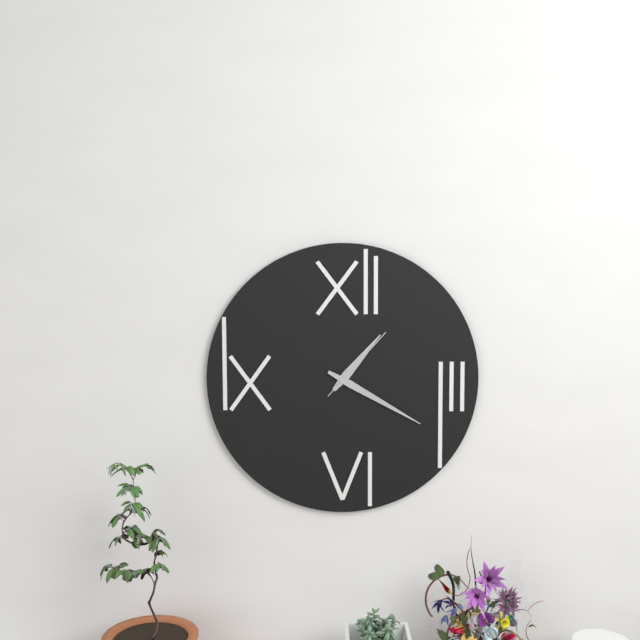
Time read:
1.20.07
